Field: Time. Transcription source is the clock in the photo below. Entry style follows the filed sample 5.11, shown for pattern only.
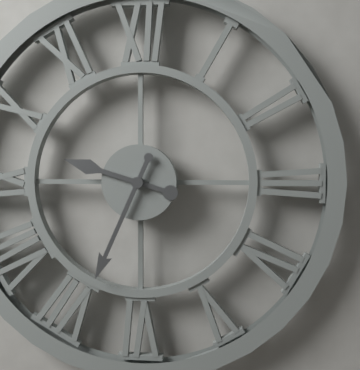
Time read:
9.34
